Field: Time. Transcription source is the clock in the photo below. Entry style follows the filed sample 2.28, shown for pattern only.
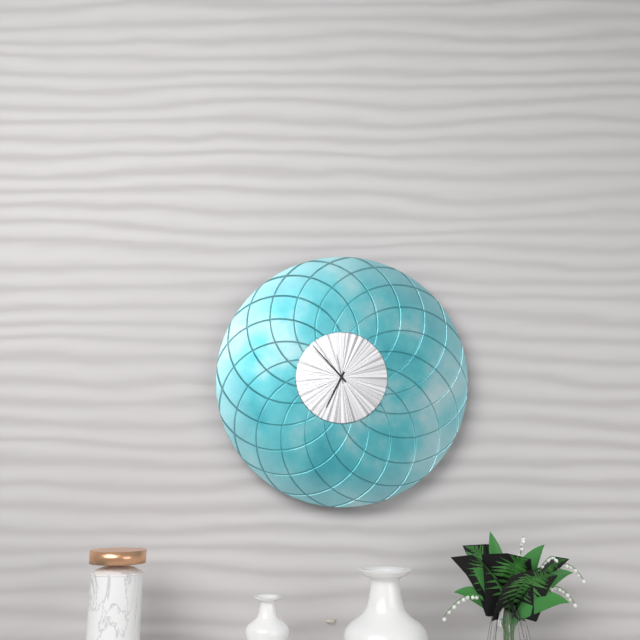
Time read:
6.53
